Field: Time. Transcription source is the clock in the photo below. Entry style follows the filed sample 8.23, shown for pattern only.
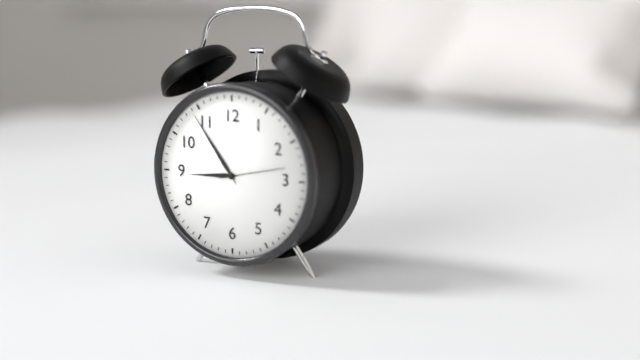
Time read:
8.54
